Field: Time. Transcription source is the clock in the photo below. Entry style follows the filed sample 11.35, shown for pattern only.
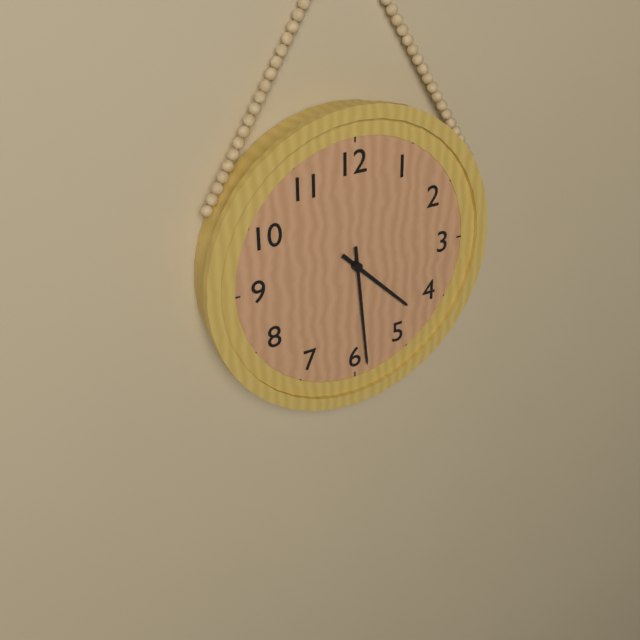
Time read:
4.29
